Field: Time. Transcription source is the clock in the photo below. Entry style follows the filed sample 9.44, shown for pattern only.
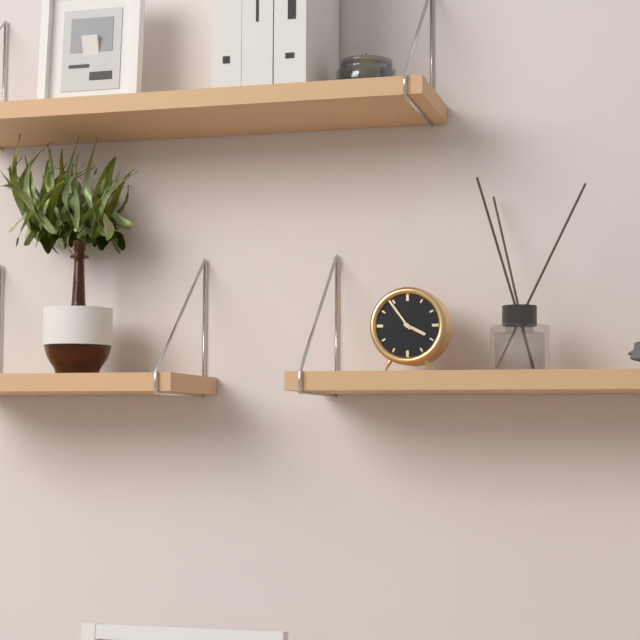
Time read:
3.54
